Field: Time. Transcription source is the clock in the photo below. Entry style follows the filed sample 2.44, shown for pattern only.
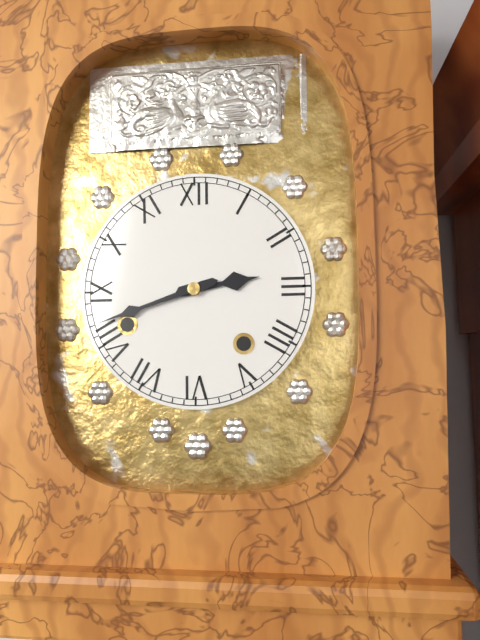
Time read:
2.42
